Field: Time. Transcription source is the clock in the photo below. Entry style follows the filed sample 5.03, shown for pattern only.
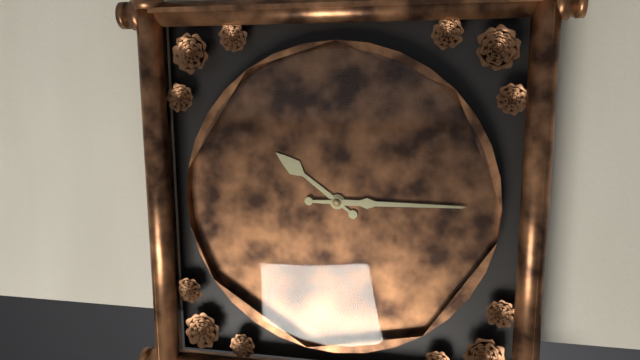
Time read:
10.15
